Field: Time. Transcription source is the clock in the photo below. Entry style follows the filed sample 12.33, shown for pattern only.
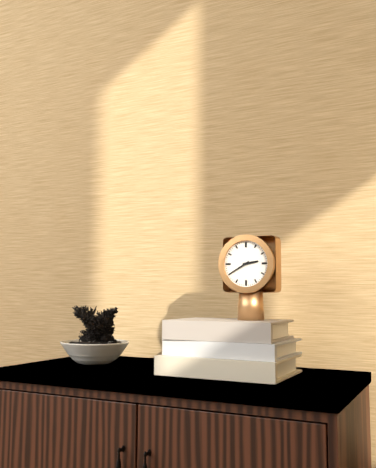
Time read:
2.40
